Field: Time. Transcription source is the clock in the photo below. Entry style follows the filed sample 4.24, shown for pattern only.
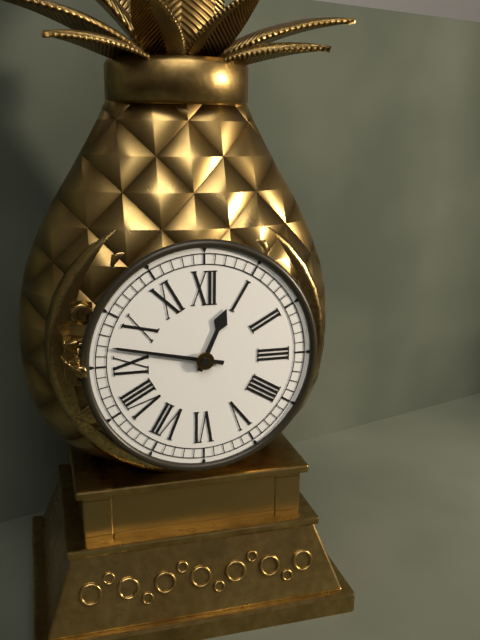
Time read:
12.47
